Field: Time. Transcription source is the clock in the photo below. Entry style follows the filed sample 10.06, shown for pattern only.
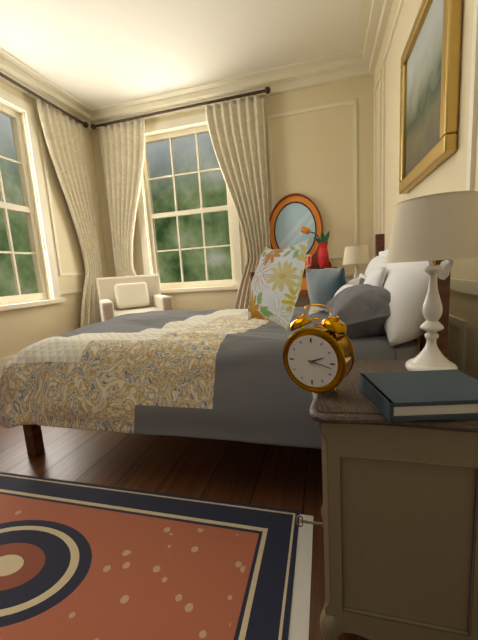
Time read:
2.17
